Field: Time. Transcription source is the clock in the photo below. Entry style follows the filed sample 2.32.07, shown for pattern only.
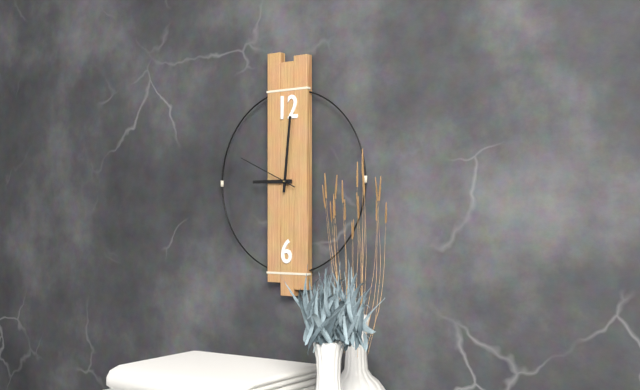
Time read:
9.01.49
